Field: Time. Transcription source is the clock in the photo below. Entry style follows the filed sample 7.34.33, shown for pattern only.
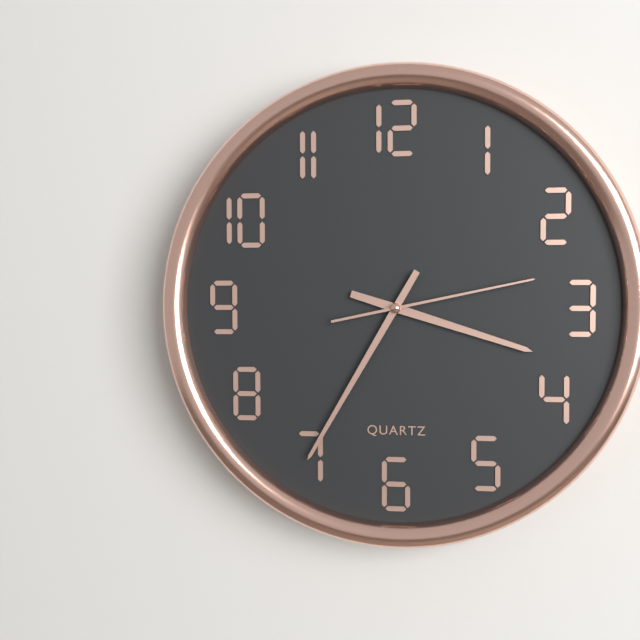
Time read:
3.35.13
